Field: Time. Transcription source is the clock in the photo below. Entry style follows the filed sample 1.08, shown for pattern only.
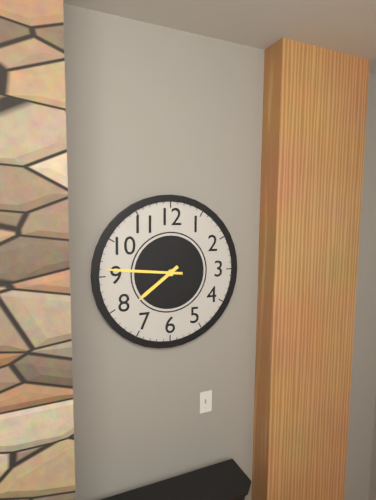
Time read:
7.46
